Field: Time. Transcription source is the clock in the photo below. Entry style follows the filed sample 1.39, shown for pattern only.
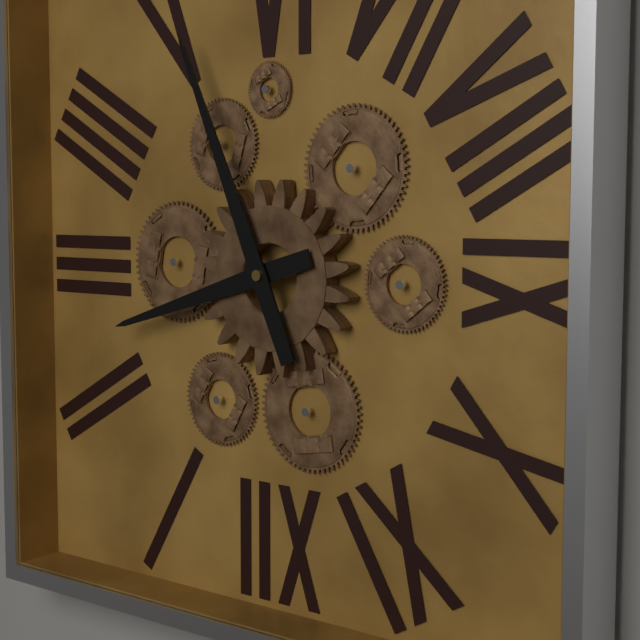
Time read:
2.26
